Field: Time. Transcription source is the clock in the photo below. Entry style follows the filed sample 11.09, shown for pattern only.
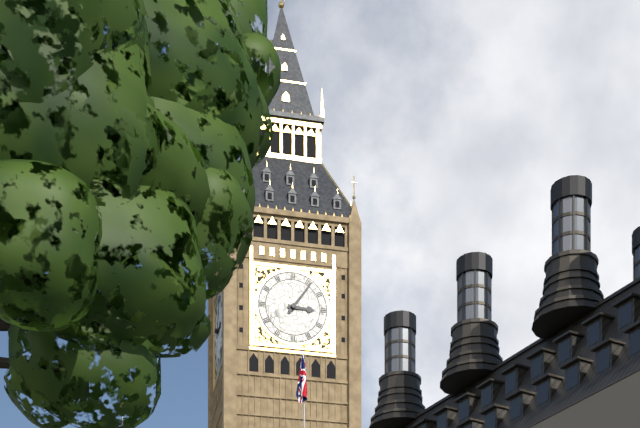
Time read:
3.06
